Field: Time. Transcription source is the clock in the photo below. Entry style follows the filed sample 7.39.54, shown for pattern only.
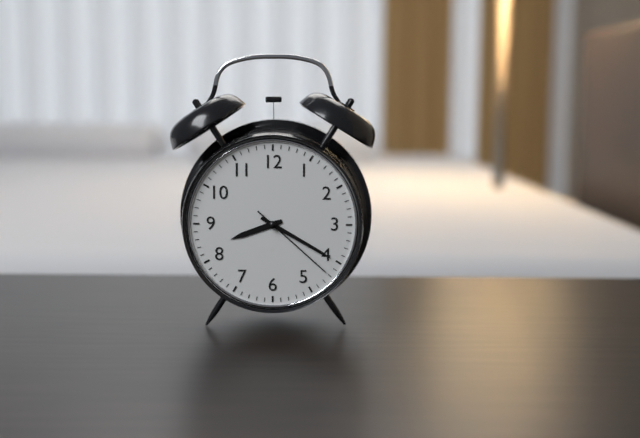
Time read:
8.20.22
